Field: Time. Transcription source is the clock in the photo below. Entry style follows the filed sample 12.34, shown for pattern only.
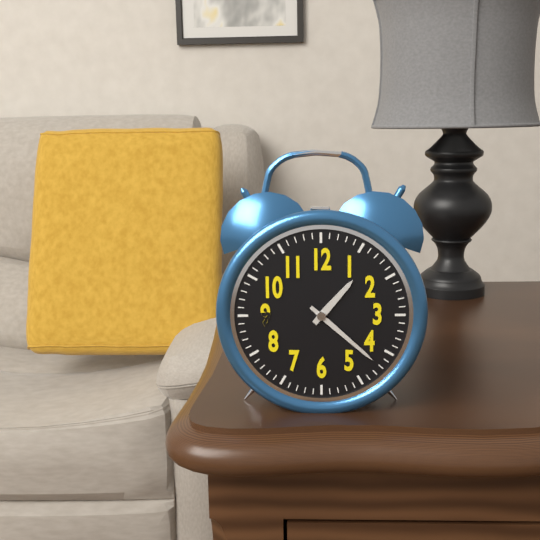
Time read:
1.22
